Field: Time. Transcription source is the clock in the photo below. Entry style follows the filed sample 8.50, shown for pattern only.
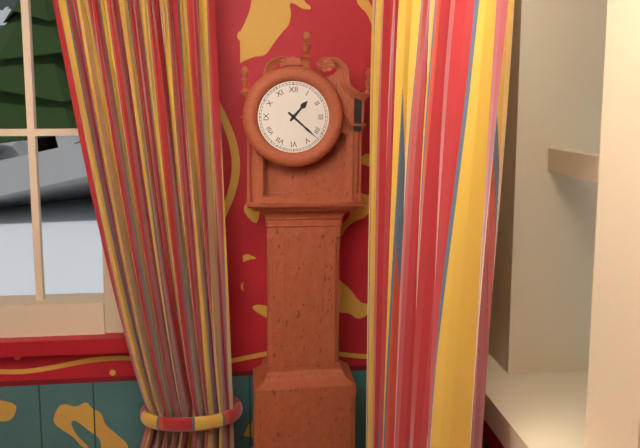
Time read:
1.22
